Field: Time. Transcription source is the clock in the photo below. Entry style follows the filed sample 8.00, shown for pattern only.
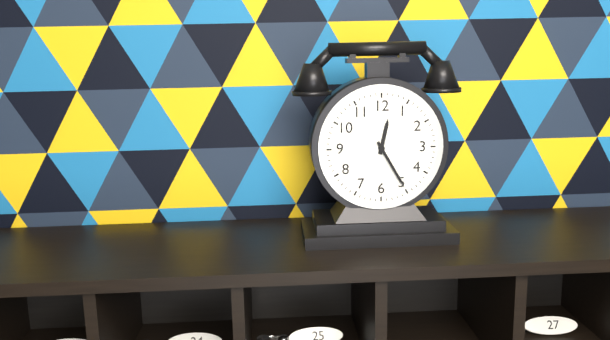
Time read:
12.25
